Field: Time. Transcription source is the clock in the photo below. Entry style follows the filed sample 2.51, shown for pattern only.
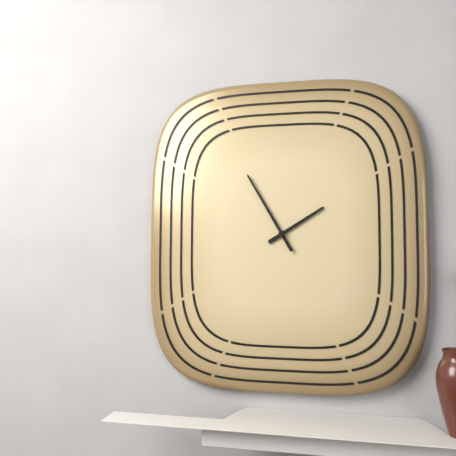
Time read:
1.55
